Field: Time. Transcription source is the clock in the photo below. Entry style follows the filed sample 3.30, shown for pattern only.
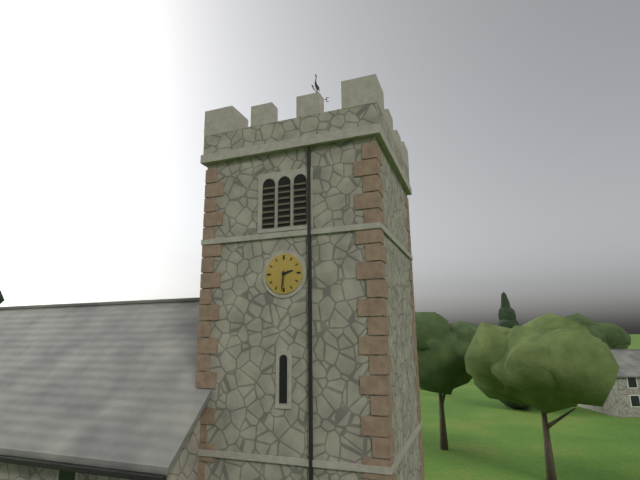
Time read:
2.31
